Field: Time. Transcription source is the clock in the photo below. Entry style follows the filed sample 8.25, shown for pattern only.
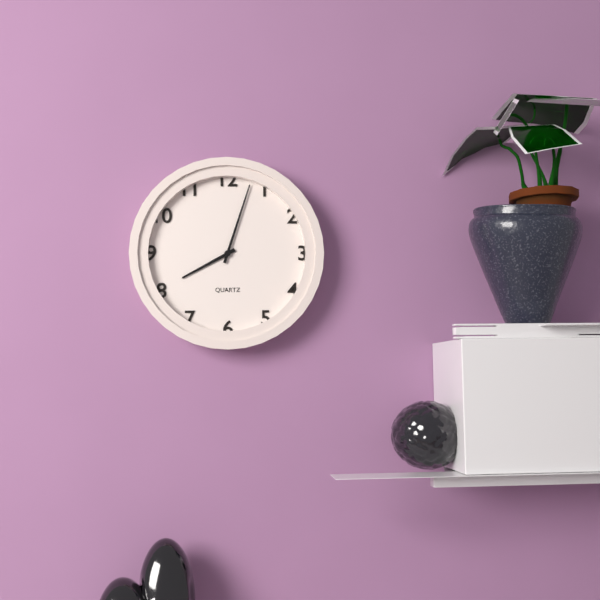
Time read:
8.03
